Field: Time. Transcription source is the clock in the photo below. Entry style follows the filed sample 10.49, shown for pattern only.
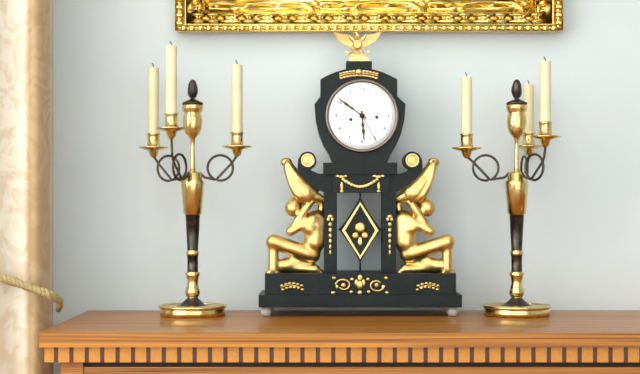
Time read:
5.51
